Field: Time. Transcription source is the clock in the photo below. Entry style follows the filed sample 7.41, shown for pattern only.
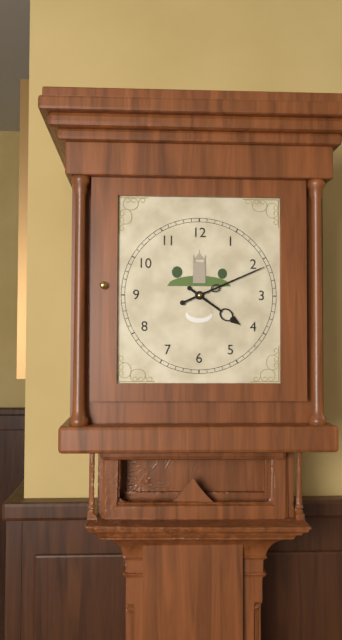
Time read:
4.11
